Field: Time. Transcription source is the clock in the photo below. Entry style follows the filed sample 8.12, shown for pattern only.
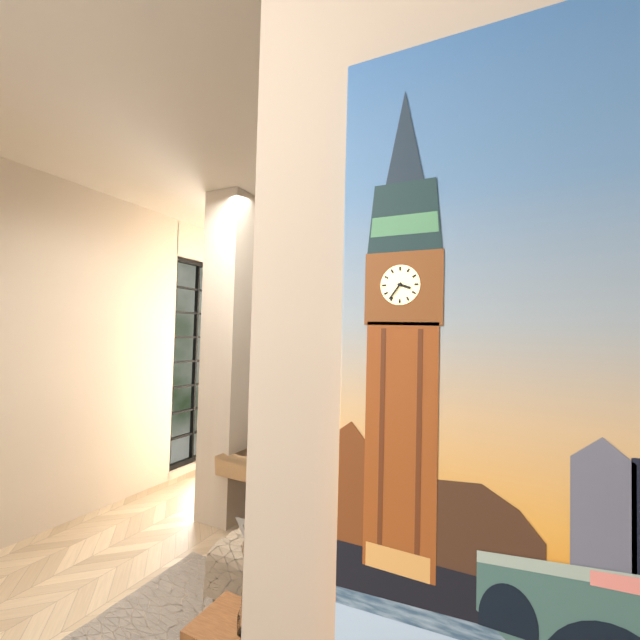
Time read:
3.36
